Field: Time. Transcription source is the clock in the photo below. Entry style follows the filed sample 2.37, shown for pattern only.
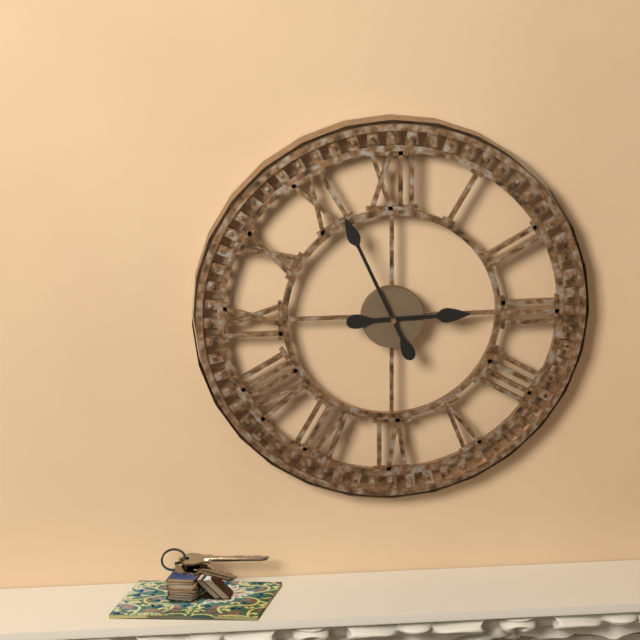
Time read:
2.56
